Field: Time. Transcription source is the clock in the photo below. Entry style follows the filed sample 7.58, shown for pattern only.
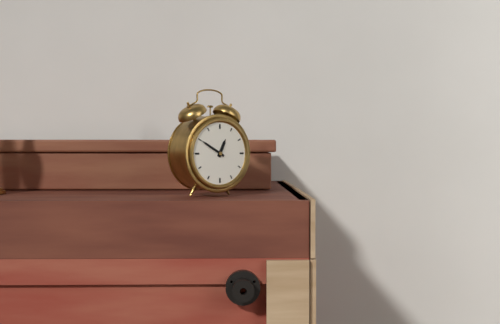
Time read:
12.50
